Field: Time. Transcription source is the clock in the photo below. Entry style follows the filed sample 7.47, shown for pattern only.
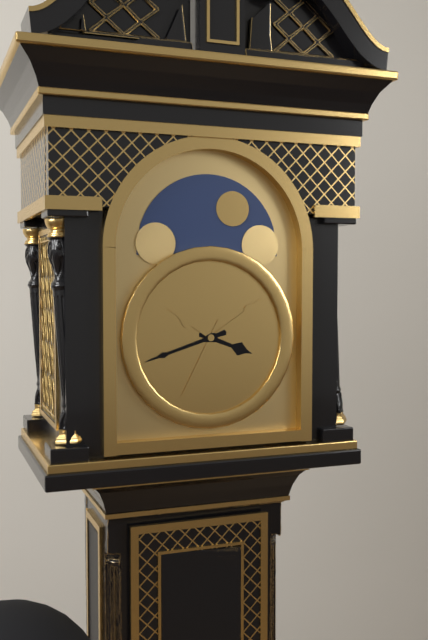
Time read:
3.42
